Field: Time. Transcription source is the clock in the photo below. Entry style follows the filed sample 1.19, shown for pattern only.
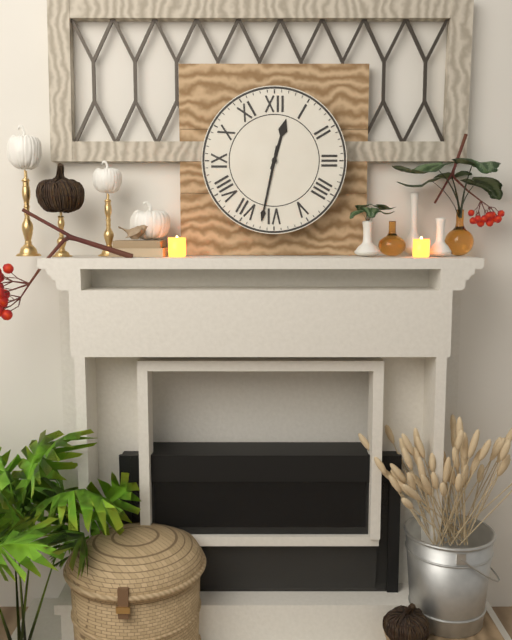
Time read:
12.32
